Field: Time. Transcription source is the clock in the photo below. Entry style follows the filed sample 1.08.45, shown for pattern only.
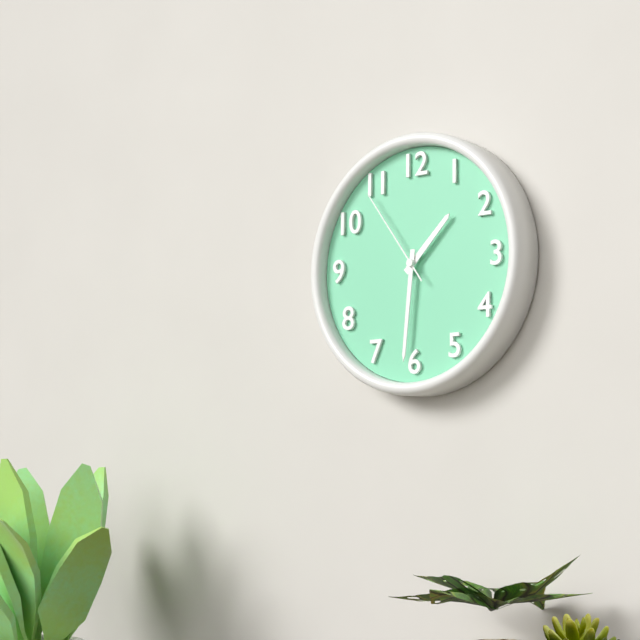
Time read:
1.31.54
